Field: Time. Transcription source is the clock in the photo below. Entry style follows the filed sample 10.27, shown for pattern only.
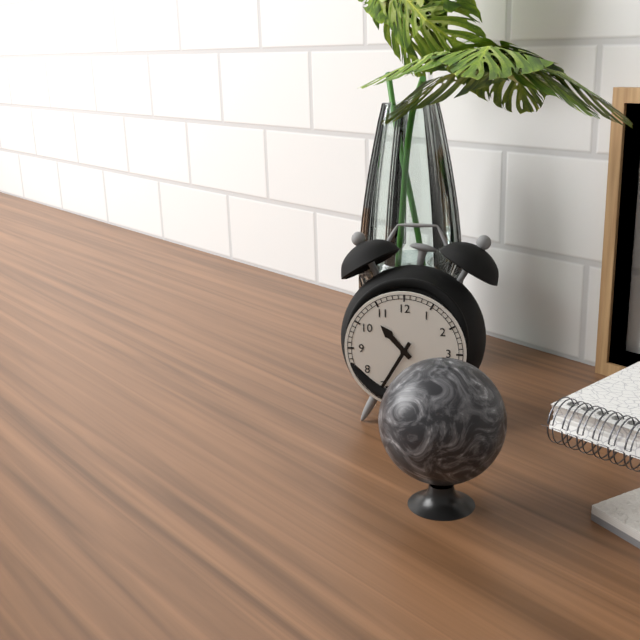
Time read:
10.35
